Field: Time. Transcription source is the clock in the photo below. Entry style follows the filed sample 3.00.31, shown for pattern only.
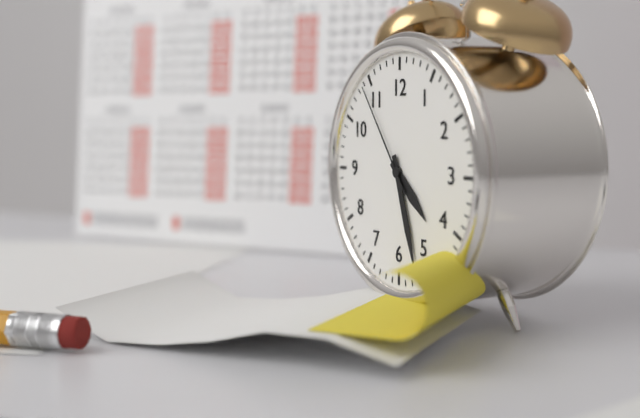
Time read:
4.27.54
